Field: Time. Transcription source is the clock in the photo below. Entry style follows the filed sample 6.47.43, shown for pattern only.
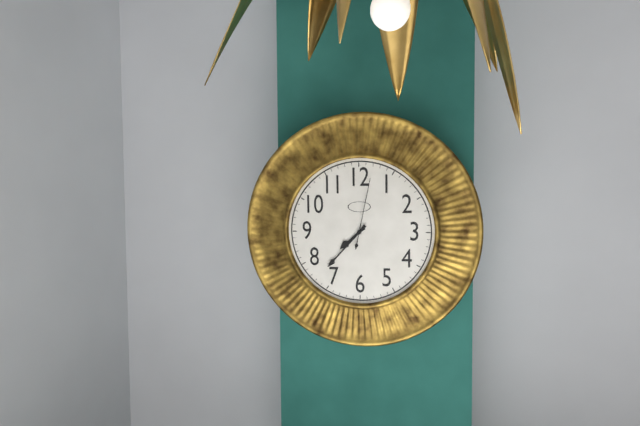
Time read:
7.37.02
